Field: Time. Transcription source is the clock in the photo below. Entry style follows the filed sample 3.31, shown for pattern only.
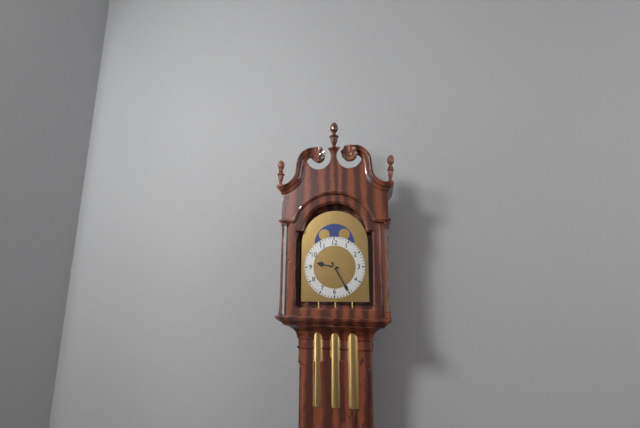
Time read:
9.25
